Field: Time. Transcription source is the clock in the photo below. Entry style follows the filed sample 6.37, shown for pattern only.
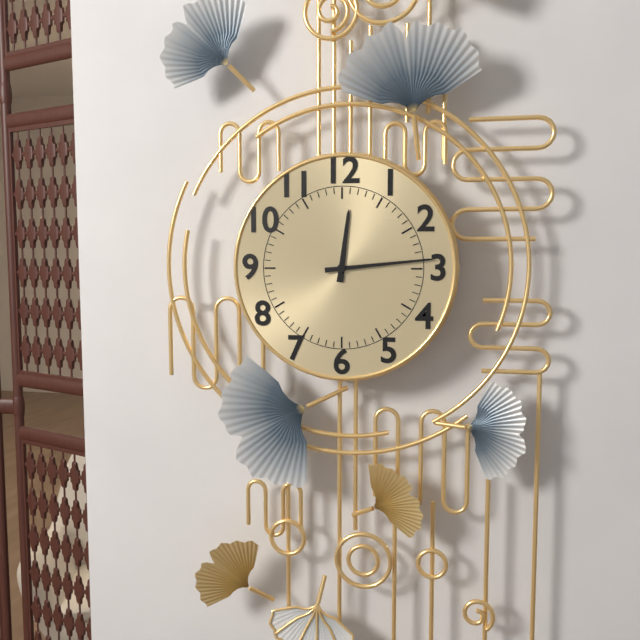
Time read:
12.14
